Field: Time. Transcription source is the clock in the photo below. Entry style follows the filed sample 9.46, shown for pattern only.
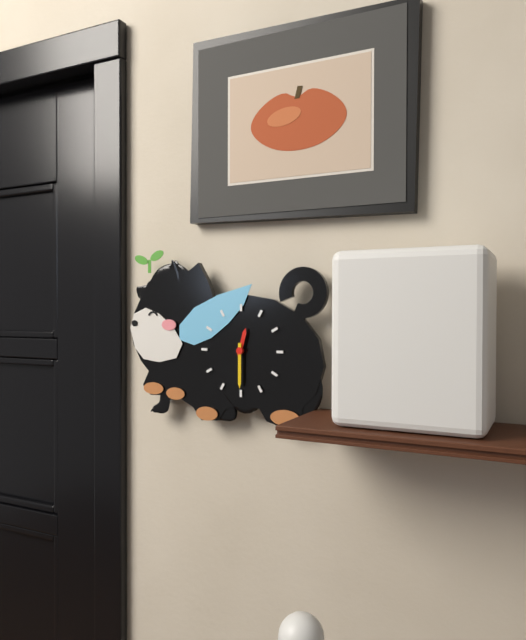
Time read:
12.30
